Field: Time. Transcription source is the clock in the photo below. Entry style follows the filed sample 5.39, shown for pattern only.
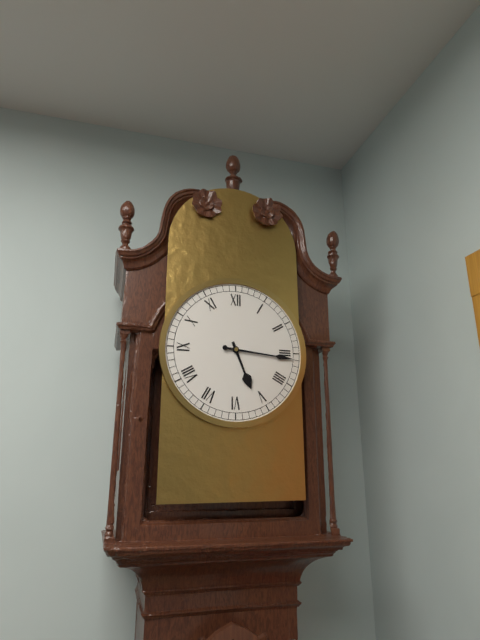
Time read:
5.16
